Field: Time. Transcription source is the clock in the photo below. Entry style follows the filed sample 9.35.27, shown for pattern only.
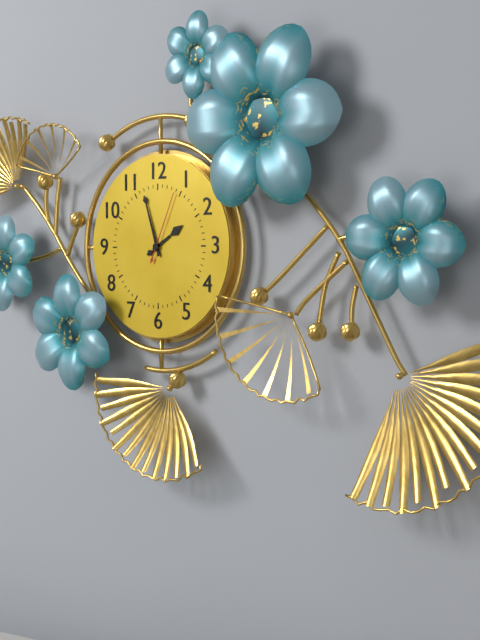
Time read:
1.57.04
